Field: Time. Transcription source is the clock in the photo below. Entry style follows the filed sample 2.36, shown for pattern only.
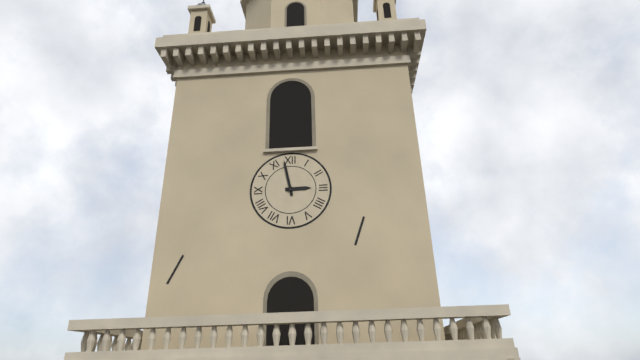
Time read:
2.58
